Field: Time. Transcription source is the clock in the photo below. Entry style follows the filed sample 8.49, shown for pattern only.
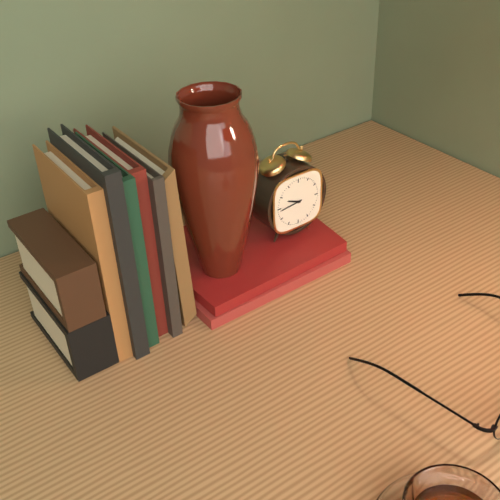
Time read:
9.44
